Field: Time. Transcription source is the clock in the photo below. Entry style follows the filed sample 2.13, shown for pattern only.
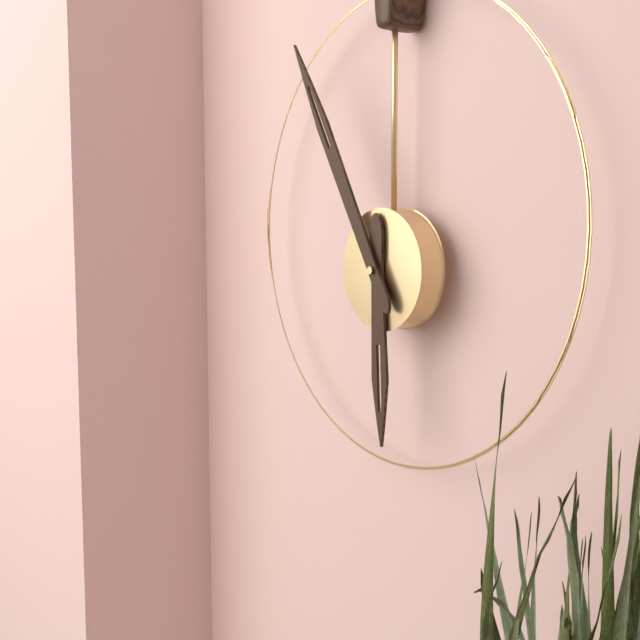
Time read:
5.55
